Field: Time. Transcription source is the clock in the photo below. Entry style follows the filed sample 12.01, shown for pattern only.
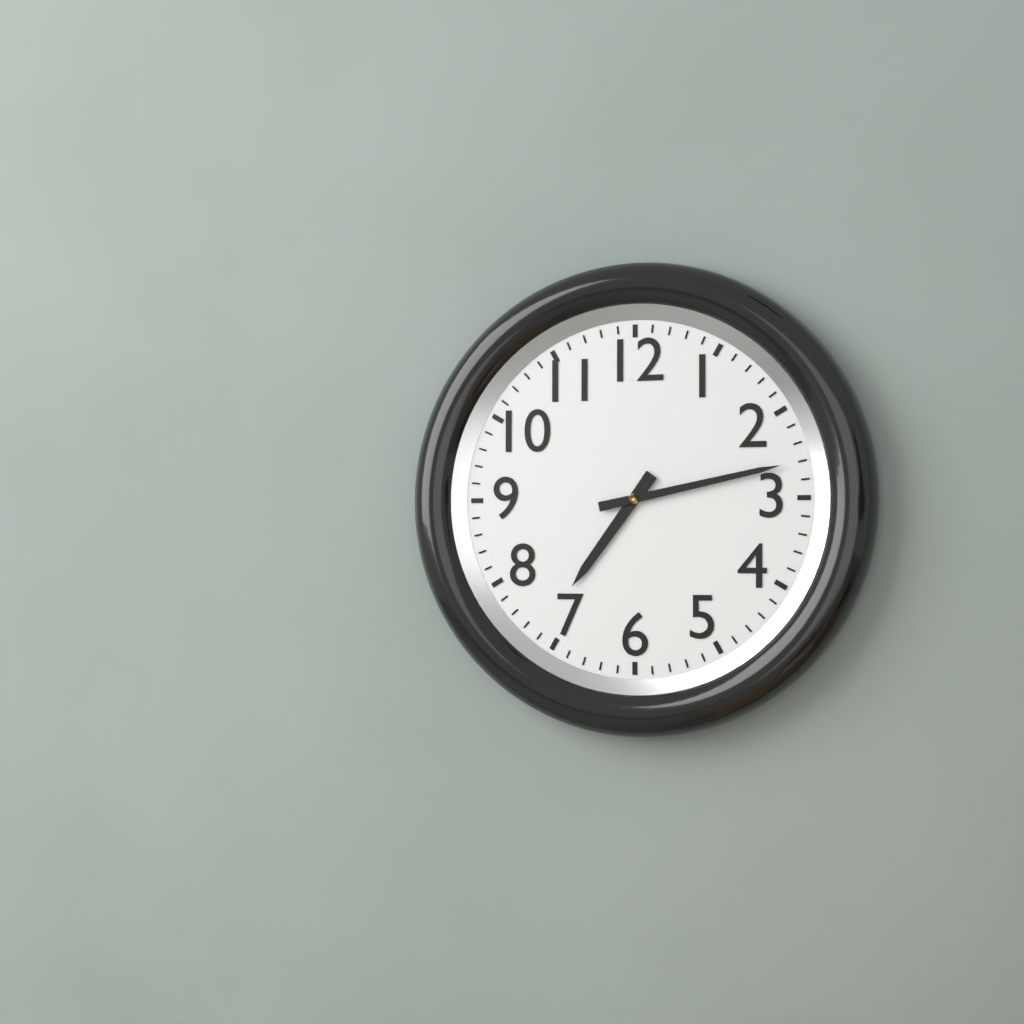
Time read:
7.13
